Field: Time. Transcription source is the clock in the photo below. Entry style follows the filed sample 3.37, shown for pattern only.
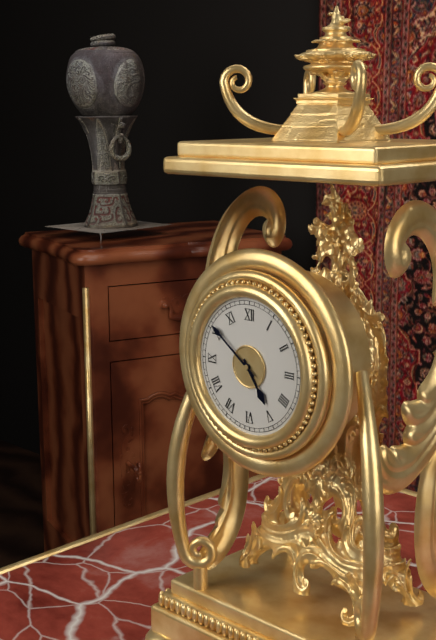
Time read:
4.51
